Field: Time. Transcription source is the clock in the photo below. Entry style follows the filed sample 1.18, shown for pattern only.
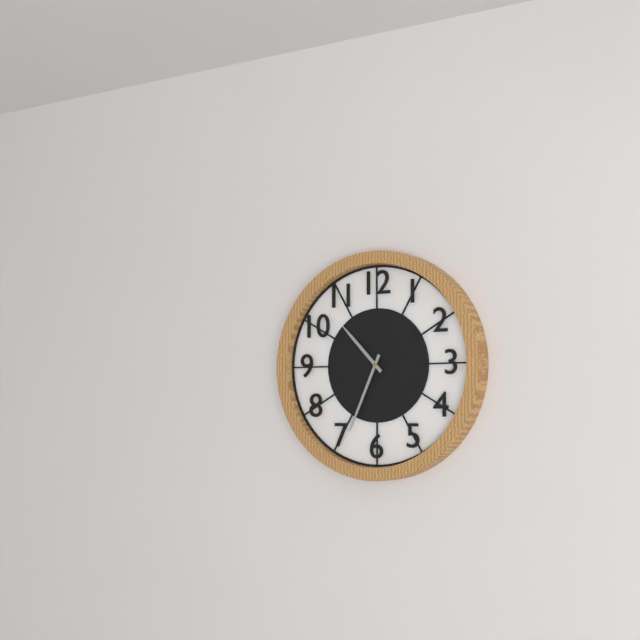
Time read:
10.34
